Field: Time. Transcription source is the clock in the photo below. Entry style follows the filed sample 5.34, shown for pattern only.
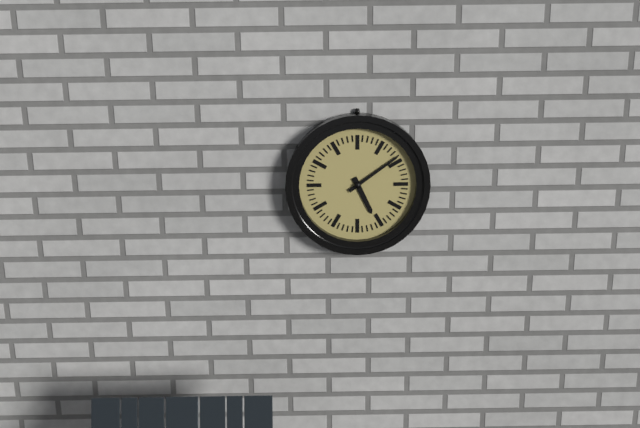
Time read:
5.09
